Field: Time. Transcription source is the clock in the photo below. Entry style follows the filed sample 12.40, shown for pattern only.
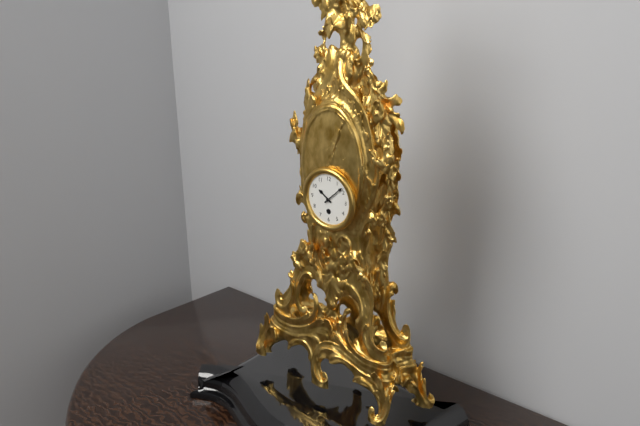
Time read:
10.08
